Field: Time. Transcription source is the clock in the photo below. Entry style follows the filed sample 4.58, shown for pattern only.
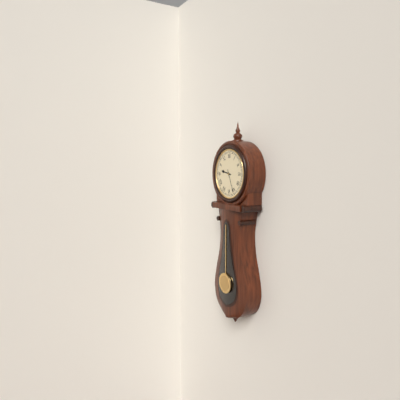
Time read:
9.26
